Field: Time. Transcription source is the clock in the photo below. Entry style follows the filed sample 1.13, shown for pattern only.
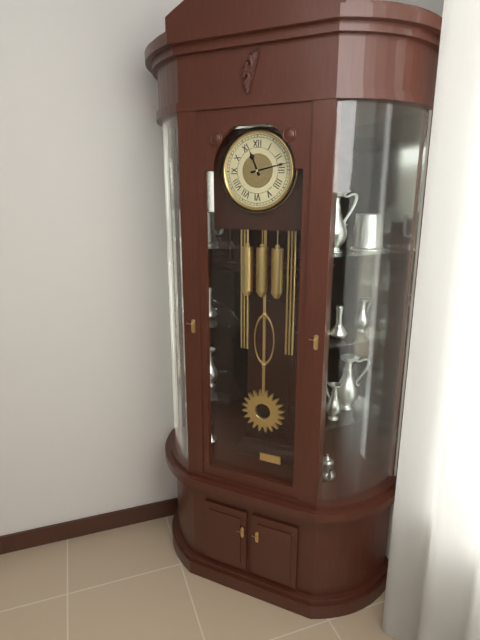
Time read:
11.13
